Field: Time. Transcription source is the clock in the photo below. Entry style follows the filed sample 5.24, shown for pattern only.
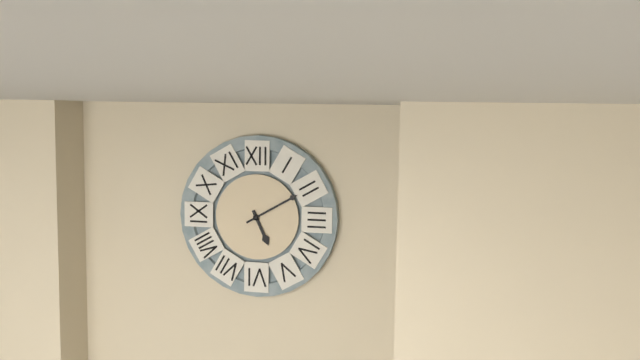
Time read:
5.10
